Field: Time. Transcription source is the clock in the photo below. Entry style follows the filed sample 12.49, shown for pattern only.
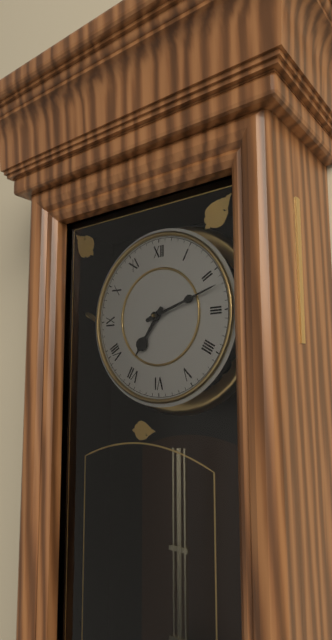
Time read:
7.12
